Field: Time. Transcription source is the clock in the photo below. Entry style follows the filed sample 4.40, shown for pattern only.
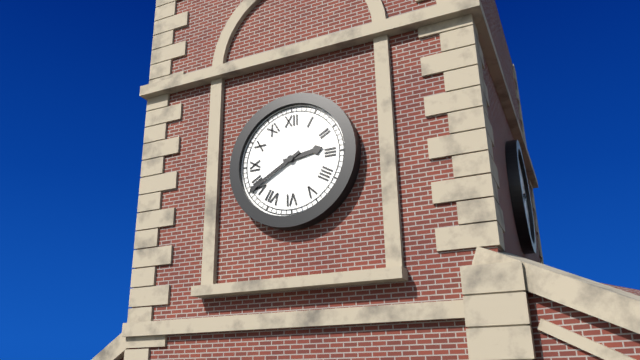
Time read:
2.40
